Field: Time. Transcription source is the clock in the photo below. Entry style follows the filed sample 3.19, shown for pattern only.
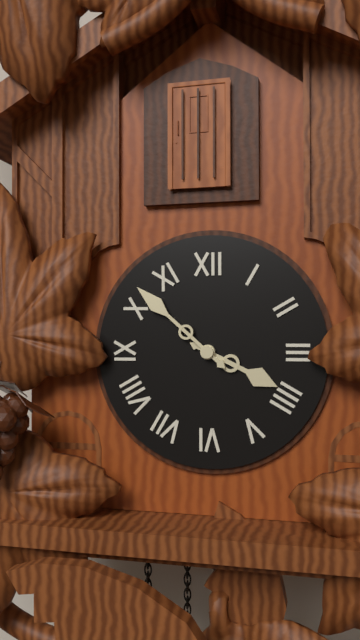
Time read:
3.52
